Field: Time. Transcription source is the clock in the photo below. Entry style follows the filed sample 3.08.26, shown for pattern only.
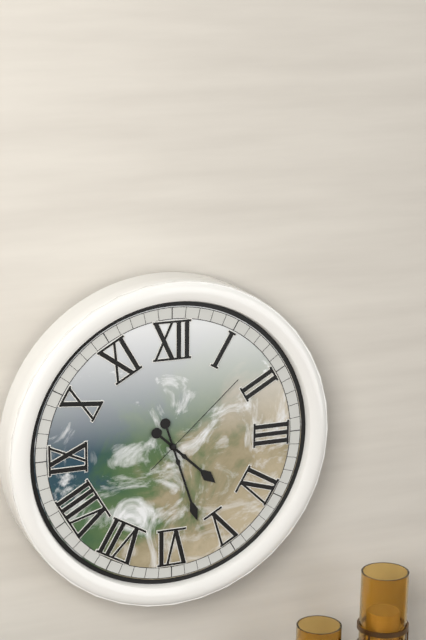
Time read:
4.27.08
